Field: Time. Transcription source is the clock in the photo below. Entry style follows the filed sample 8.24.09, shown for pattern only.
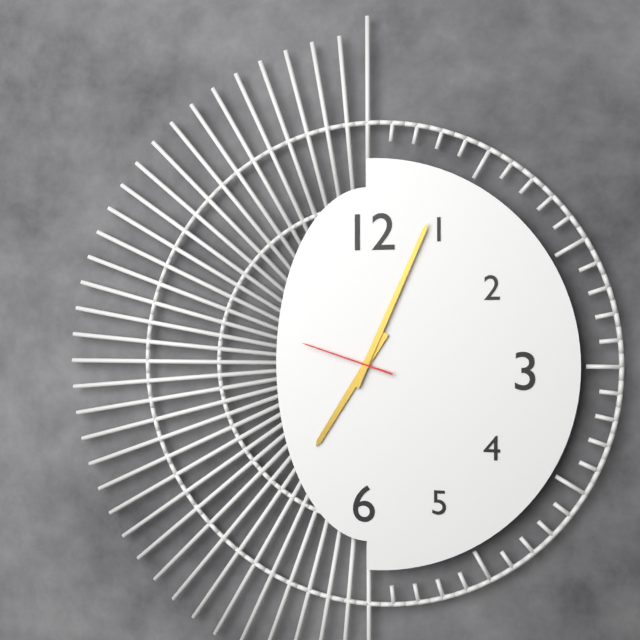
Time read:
7.04.48
